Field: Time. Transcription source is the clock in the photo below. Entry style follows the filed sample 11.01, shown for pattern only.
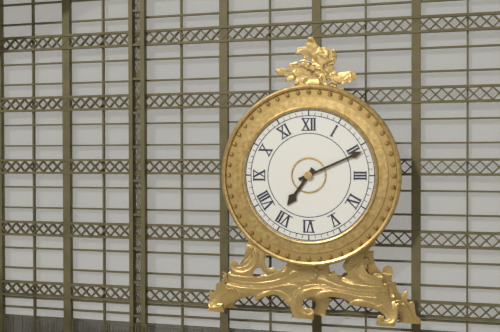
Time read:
7.11
